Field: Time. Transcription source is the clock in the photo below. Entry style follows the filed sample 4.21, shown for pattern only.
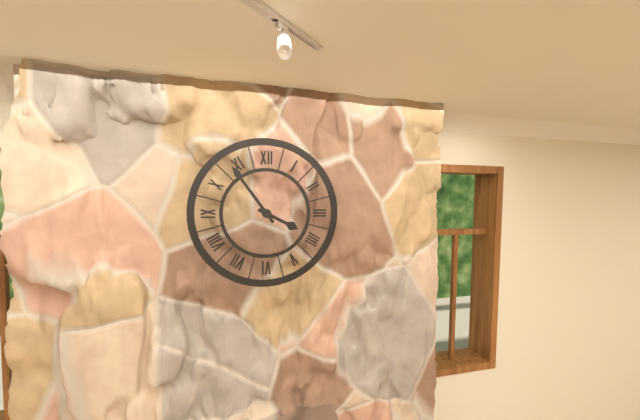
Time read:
3.54
